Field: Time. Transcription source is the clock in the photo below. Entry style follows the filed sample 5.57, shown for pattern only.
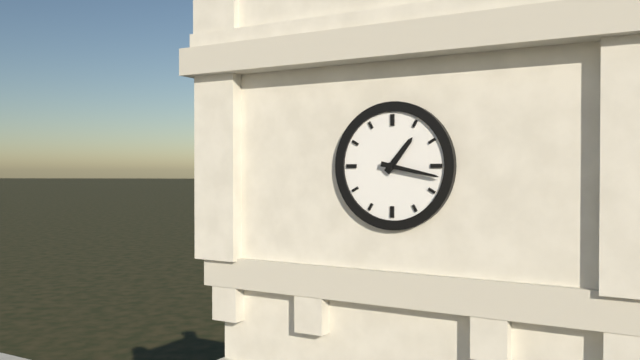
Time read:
1.17
